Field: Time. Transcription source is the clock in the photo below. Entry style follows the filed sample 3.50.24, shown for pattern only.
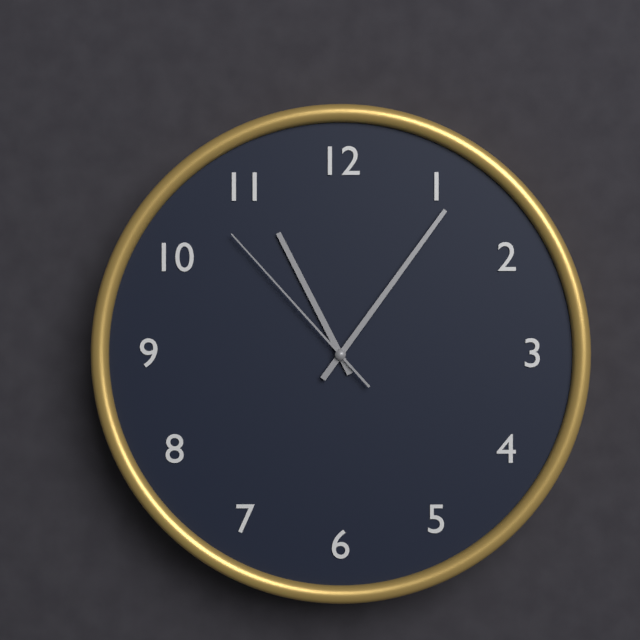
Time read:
11.06.53
